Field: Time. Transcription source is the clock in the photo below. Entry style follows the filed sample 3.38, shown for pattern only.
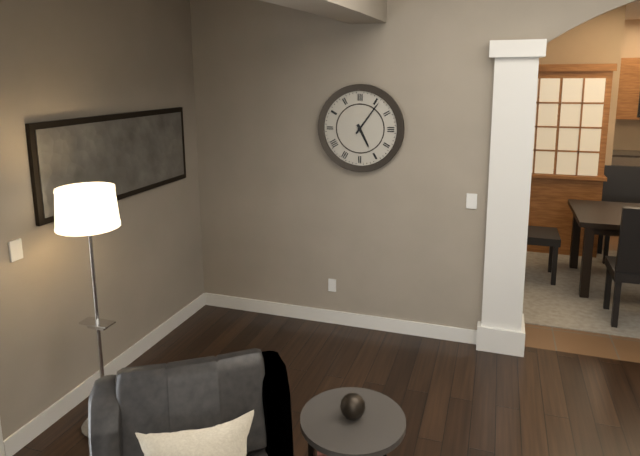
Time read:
5.06
